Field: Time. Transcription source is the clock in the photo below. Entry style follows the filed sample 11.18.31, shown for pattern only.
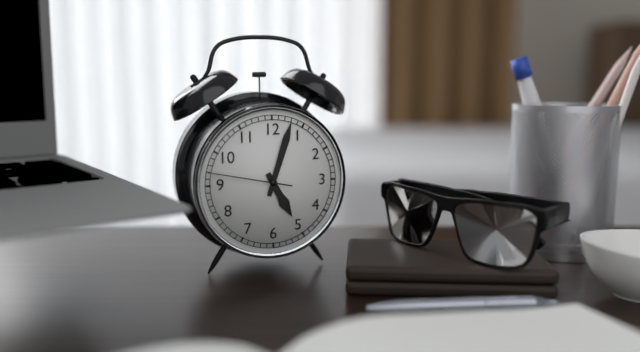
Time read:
5.03.47
